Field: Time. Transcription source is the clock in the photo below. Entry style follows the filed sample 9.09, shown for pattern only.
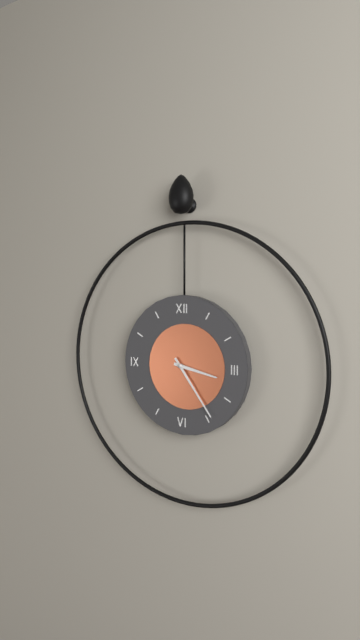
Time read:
3.24
